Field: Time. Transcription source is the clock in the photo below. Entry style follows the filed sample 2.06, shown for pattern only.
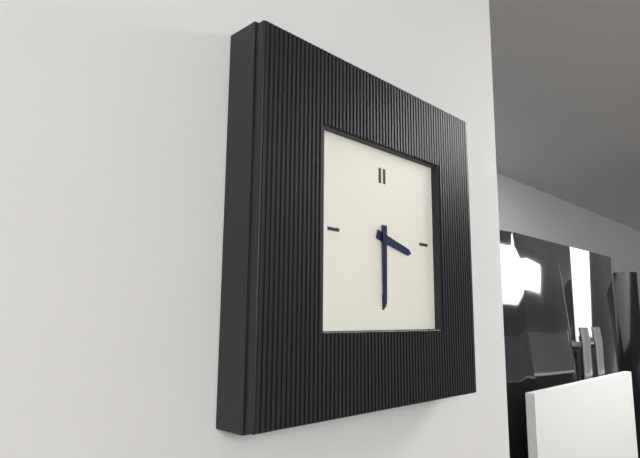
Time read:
3.30
